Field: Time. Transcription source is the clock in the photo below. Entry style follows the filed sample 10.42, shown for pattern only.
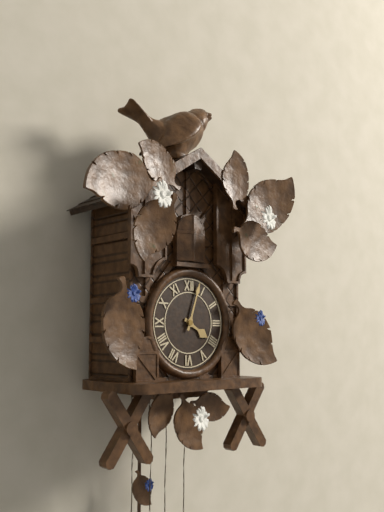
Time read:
4.03
